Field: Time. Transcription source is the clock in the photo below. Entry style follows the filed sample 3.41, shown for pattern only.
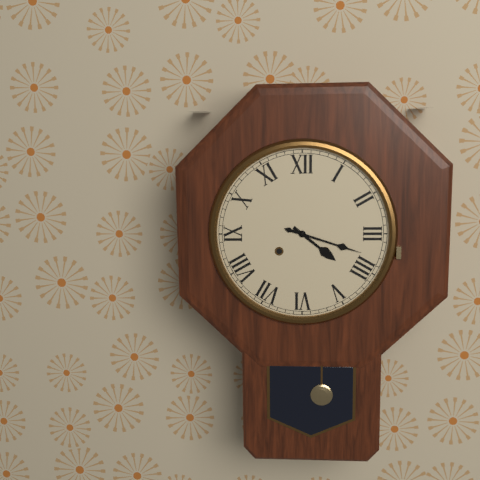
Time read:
4.18
